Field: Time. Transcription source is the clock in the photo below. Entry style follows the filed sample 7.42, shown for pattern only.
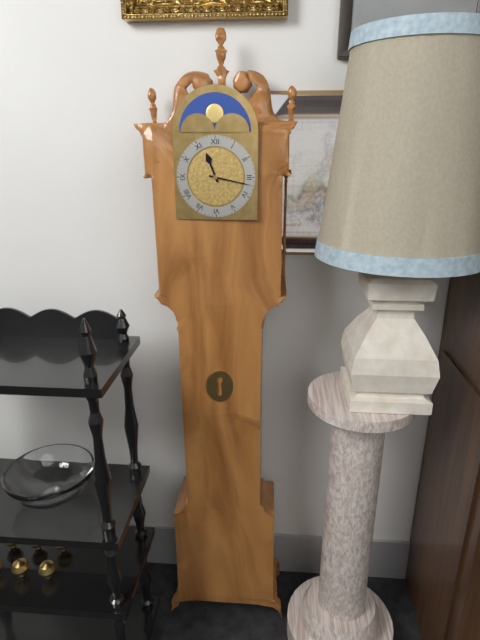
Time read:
11.17
